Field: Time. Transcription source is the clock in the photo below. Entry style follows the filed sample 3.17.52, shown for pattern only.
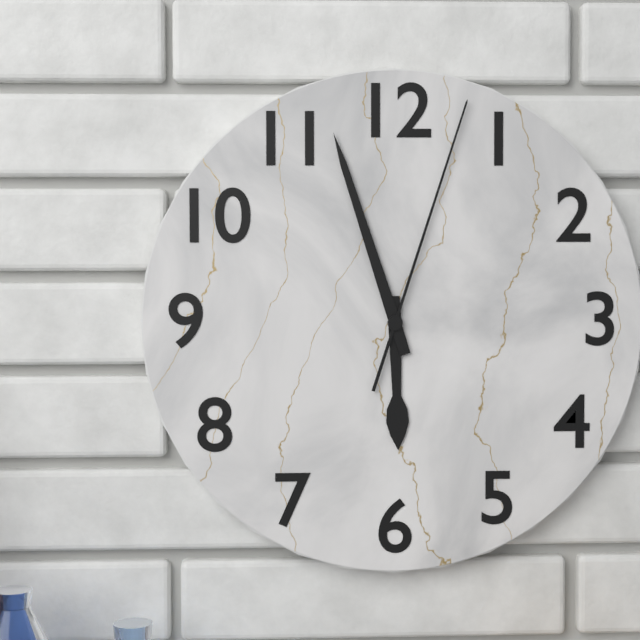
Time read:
5.57.03
